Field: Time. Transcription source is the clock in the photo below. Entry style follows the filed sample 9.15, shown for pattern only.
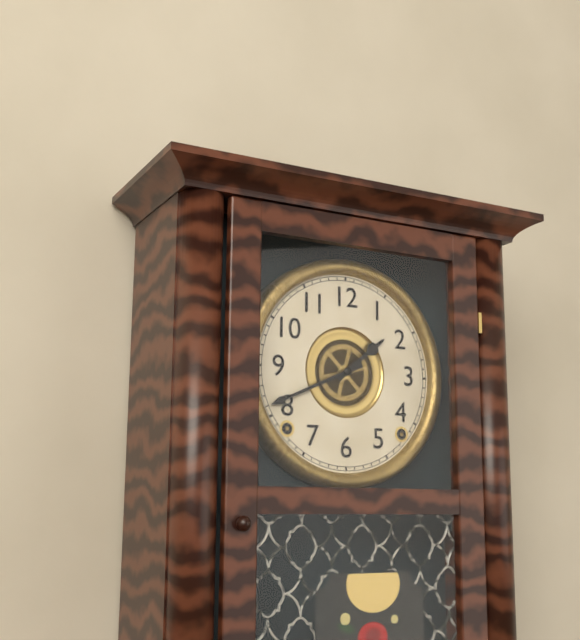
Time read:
1.41
